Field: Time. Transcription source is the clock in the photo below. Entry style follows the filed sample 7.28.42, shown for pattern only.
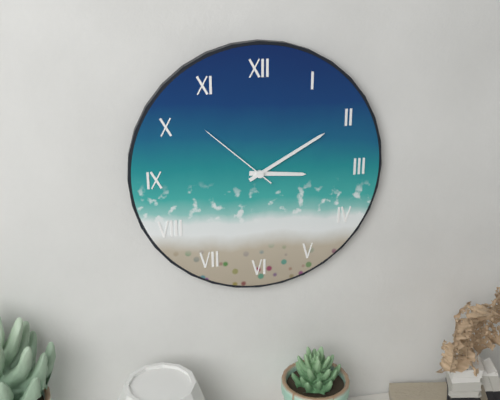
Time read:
3.10.52
